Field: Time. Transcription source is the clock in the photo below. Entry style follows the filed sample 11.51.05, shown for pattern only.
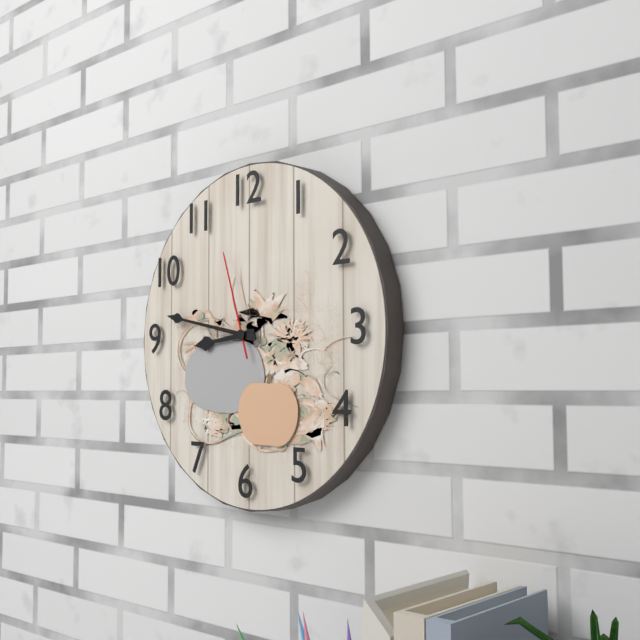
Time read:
8.47.57
